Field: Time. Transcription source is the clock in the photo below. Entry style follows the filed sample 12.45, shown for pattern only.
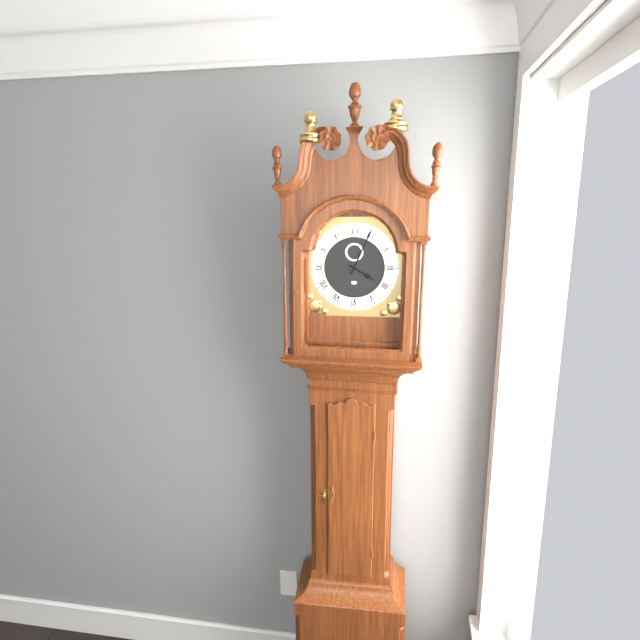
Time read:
4.04
